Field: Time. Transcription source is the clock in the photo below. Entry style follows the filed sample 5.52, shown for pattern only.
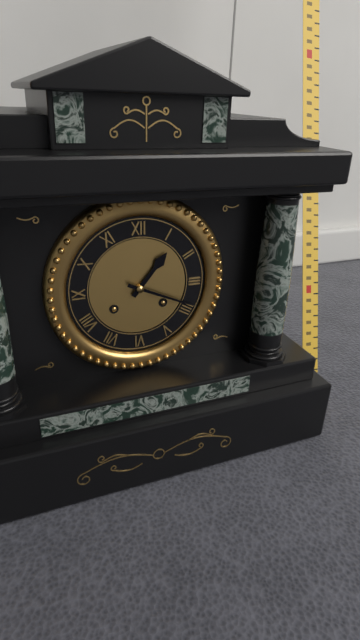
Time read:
1.19
